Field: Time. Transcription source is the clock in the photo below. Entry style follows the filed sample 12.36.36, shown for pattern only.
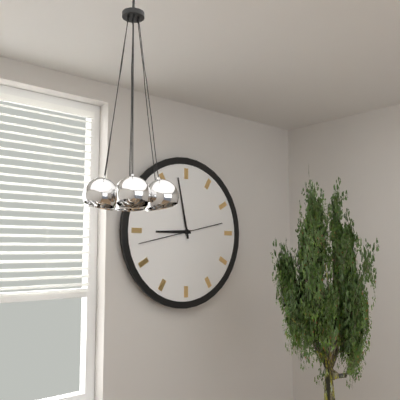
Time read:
8.58.43
